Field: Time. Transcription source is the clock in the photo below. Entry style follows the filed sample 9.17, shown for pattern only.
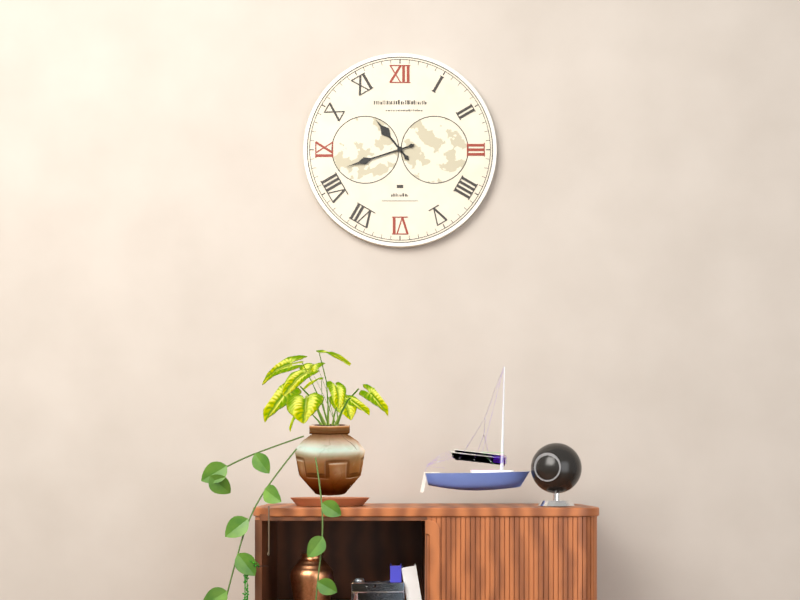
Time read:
10.42
